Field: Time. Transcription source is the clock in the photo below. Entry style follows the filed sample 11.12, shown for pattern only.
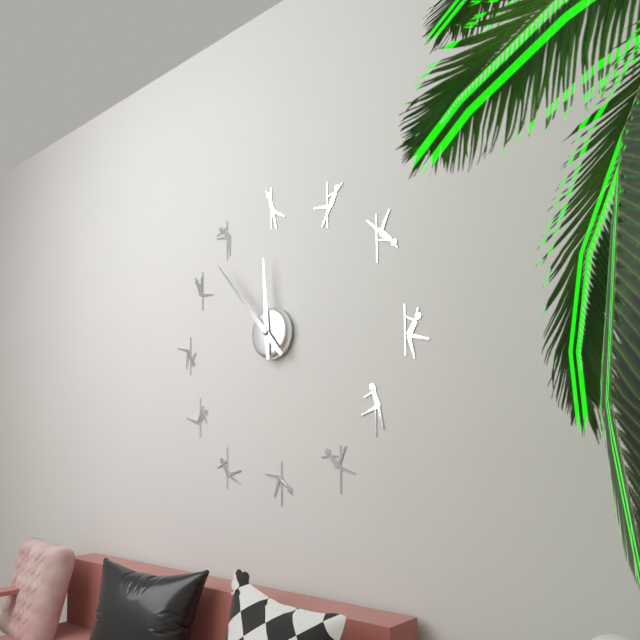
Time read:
11.53
